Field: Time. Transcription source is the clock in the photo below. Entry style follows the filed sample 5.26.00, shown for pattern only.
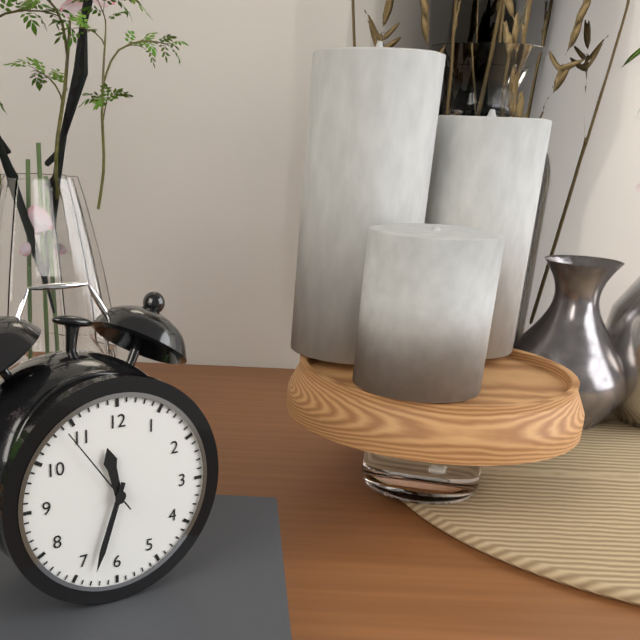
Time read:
11.33.54
